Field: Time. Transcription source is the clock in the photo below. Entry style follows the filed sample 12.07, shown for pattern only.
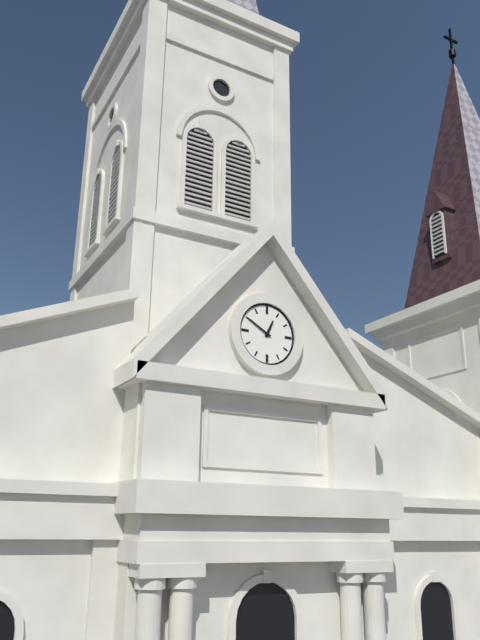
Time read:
12.50
